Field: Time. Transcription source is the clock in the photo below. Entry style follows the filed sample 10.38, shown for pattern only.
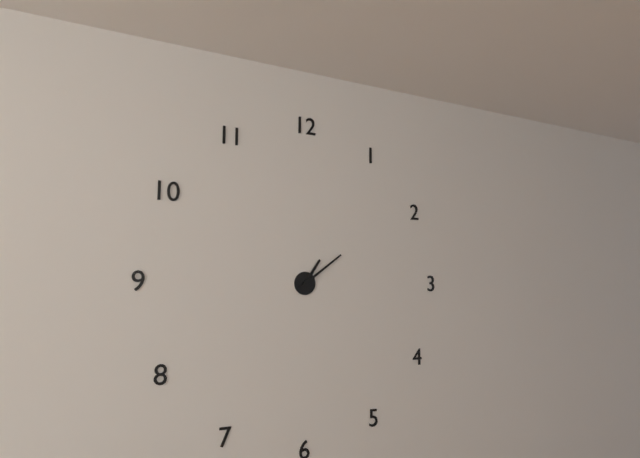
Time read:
1.09
